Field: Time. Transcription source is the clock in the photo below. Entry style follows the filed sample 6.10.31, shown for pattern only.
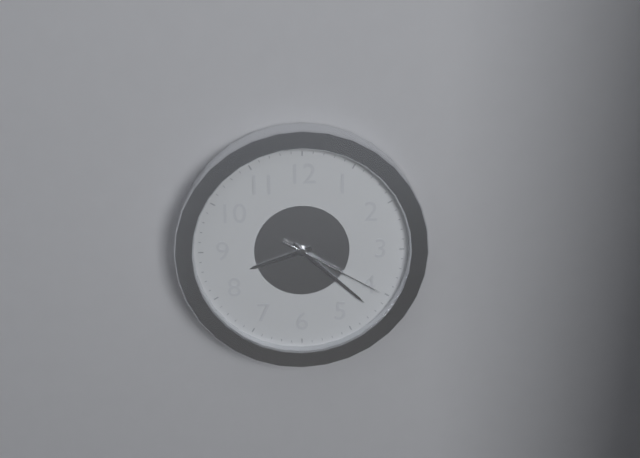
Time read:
8.22.20
